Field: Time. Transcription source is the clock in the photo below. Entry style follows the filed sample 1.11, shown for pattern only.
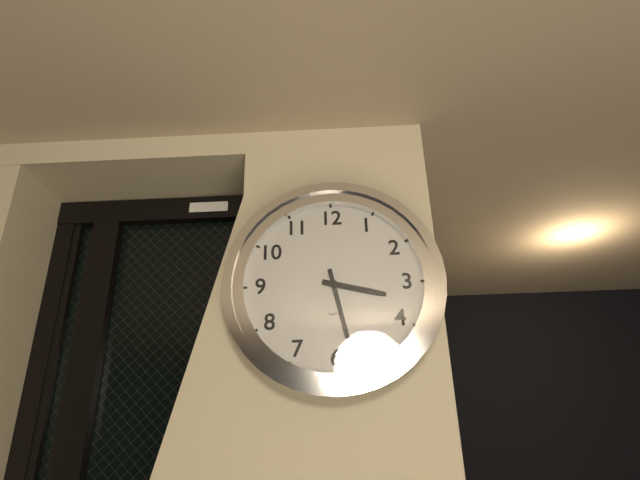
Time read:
3.28
